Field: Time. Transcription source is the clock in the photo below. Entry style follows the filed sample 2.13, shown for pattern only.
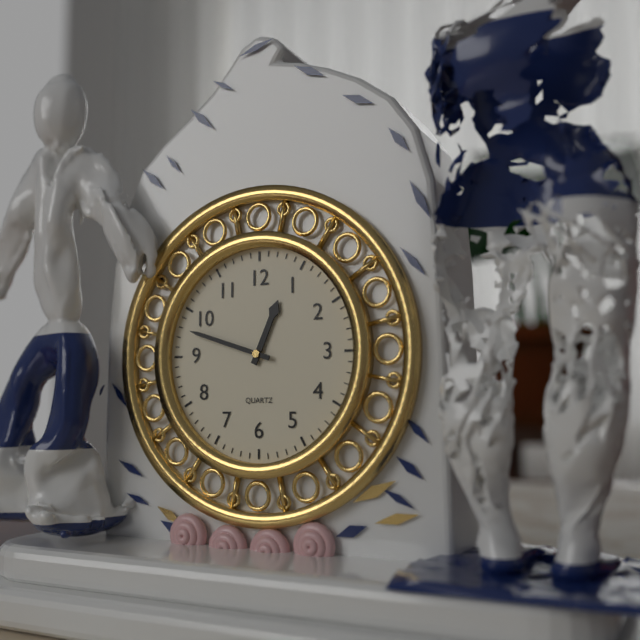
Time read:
12.48
